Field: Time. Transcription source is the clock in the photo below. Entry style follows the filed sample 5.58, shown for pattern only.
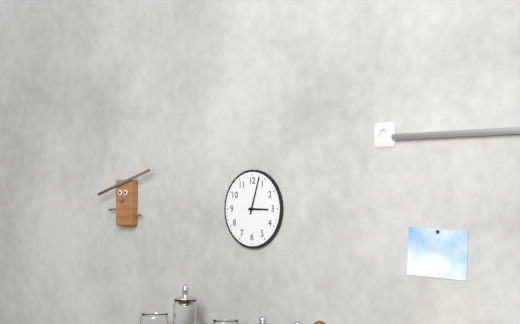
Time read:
3.03
